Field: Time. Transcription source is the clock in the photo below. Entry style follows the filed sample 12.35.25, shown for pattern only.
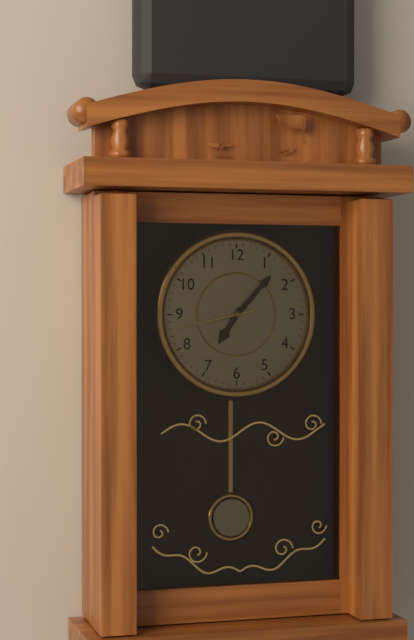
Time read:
7.07.43
